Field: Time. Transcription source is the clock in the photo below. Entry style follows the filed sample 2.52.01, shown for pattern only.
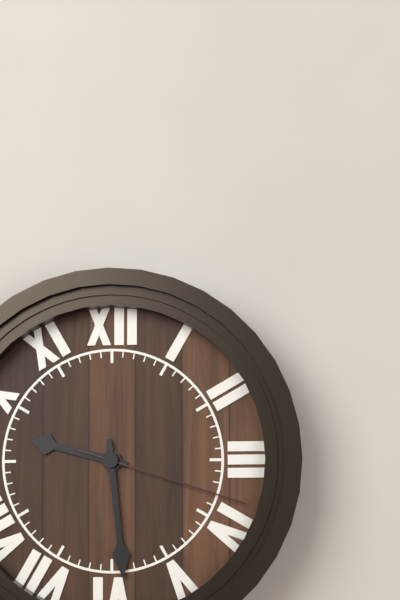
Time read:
9.29.18
